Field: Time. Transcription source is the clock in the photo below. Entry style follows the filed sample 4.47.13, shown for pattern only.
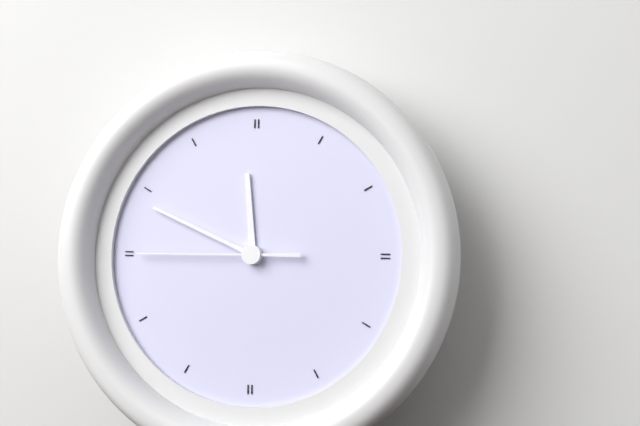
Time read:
11.49.45
